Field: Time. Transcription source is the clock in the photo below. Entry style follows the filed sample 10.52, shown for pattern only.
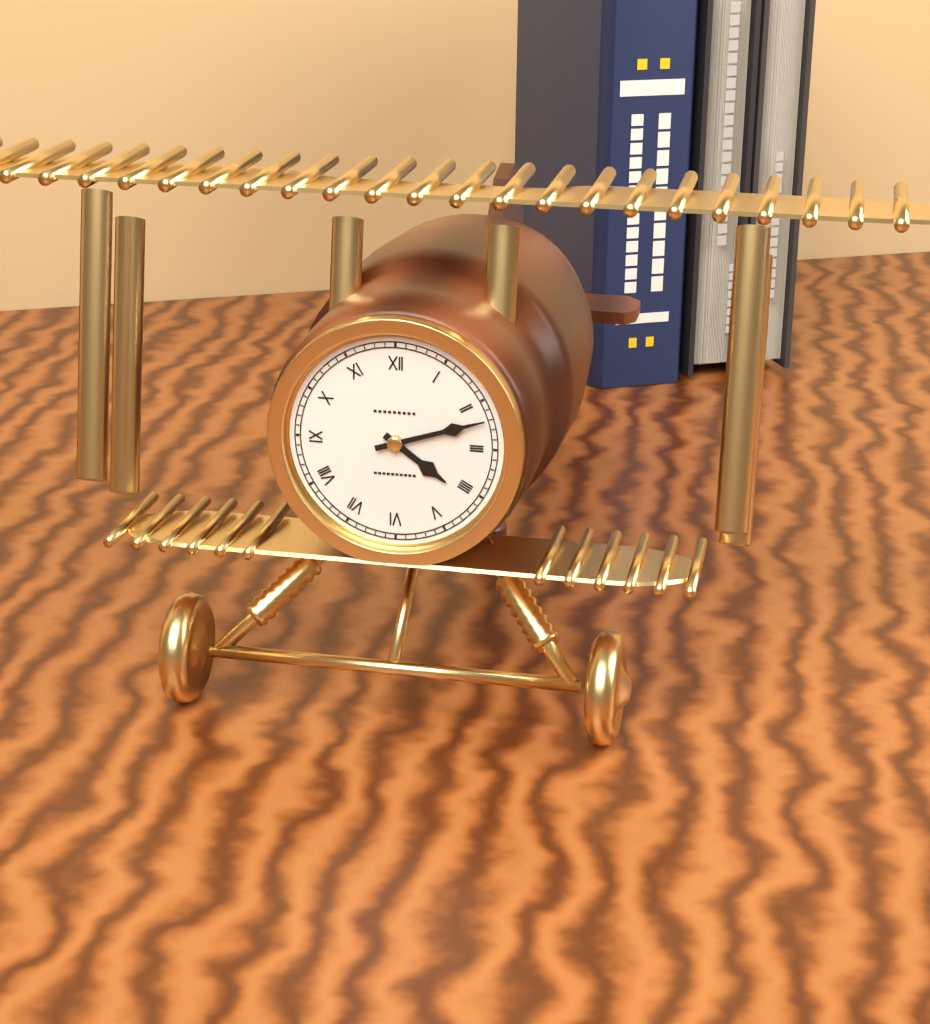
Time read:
4.12
